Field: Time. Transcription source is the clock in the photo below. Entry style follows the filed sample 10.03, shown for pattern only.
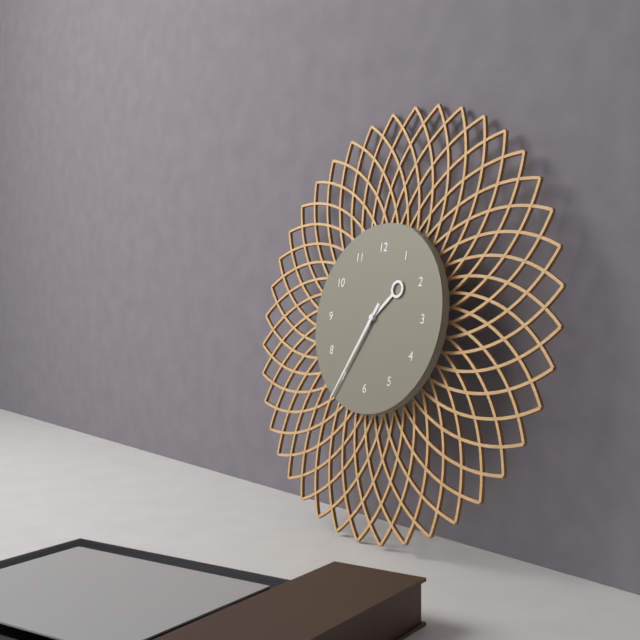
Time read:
1.35
